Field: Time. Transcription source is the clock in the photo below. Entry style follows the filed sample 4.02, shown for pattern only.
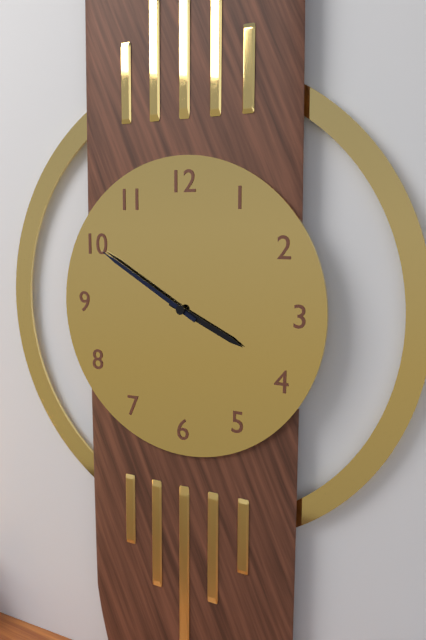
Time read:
3.50
